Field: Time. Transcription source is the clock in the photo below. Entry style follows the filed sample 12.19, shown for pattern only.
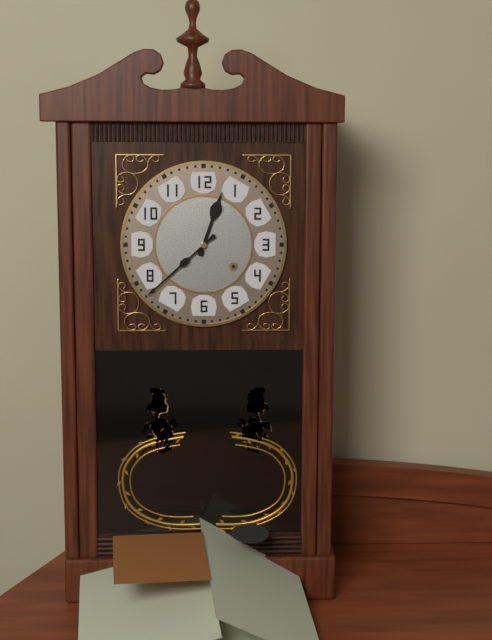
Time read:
12.38
